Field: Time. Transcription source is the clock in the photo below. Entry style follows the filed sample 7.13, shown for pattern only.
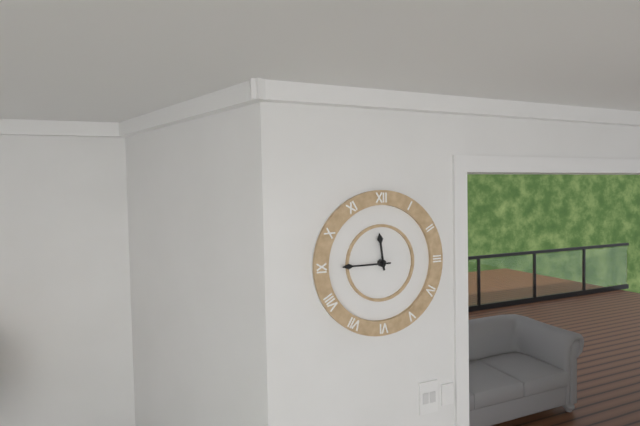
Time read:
11.45
